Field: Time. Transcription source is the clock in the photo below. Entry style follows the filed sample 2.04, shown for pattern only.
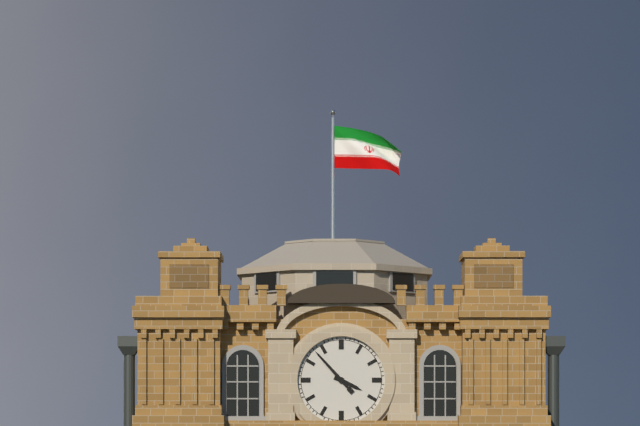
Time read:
3.53
